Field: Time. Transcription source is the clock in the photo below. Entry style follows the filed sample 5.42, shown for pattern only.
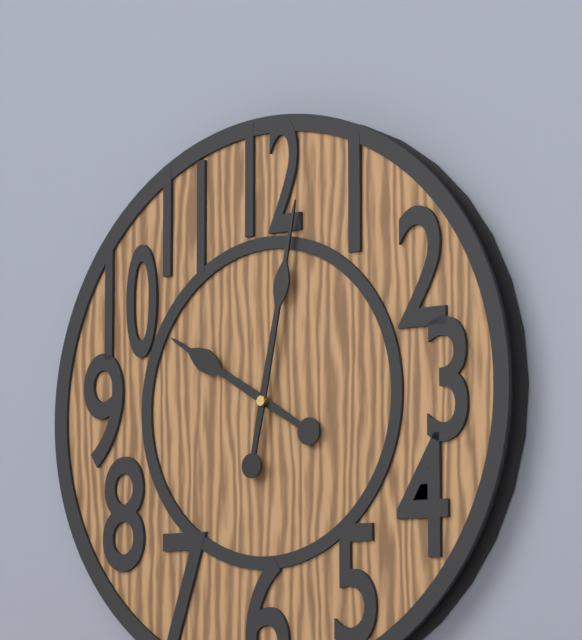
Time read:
10.02
